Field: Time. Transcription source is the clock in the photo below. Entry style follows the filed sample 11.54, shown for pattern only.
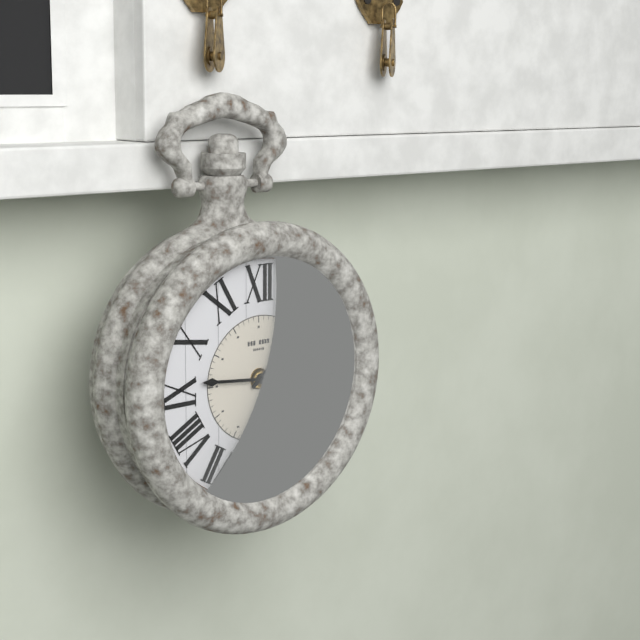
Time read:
1.46
